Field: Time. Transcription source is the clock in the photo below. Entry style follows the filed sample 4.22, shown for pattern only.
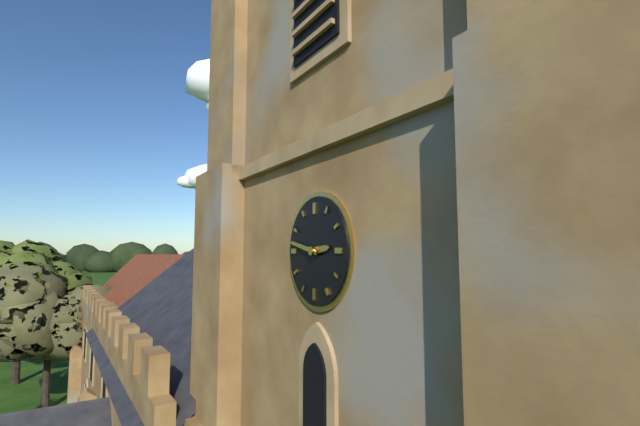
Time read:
2.47
